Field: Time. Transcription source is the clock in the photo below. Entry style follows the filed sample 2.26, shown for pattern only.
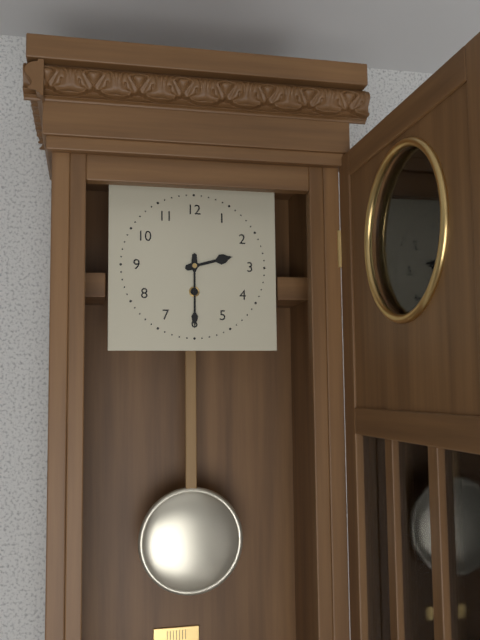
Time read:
2.30
